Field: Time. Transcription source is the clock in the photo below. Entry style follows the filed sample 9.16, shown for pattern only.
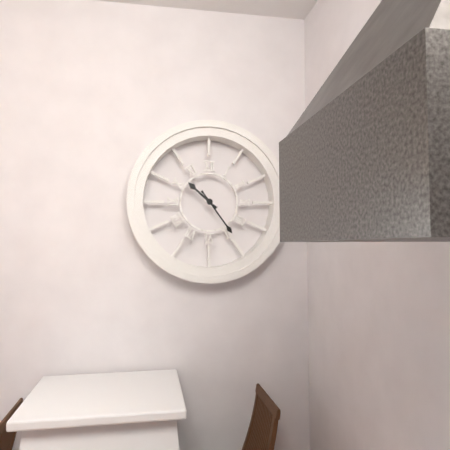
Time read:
10.24
